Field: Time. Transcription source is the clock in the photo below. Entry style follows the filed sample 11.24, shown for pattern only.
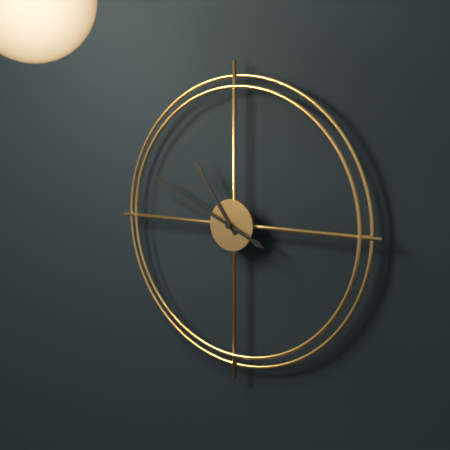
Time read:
10.49
